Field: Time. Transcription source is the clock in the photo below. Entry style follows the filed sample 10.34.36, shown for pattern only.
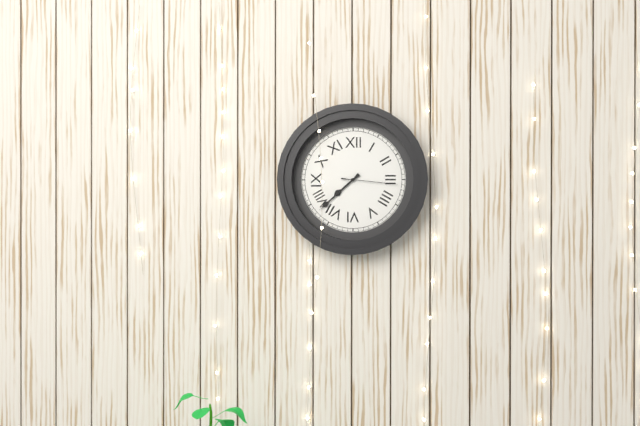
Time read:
7.38.16
